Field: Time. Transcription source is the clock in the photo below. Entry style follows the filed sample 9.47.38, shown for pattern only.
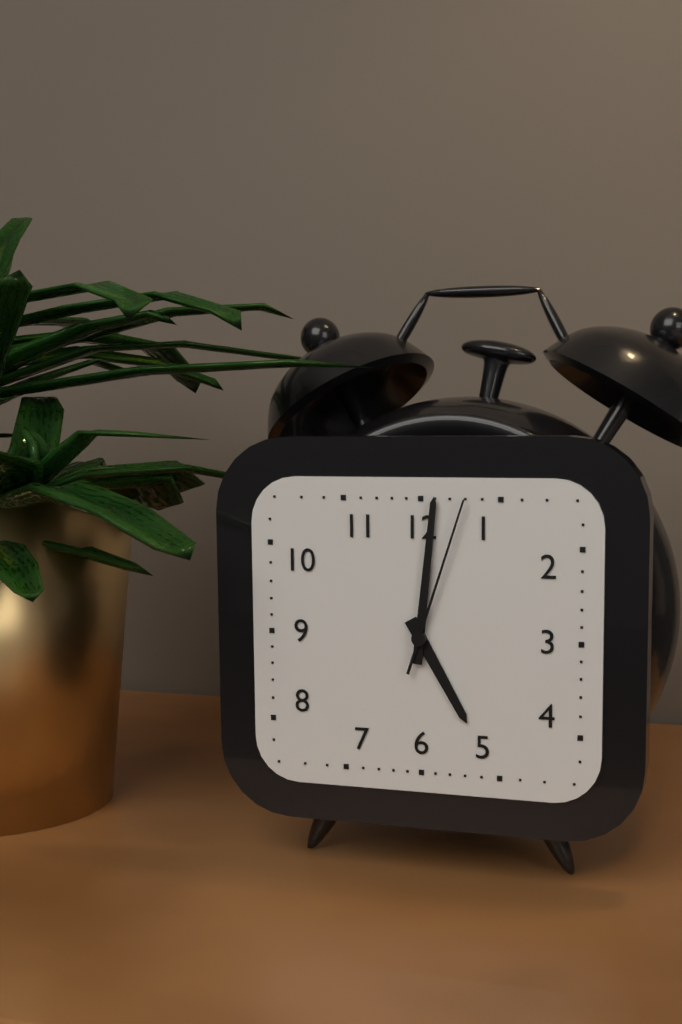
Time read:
5.01.03
